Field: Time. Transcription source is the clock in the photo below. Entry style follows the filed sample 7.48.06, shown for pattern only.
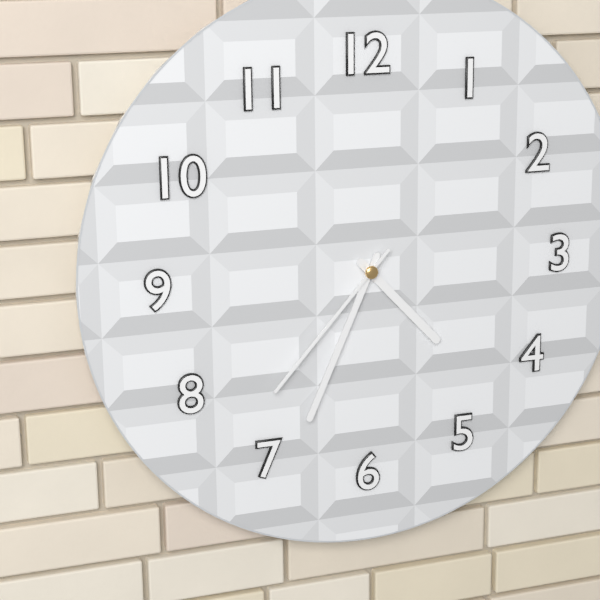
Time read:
4.34.37
